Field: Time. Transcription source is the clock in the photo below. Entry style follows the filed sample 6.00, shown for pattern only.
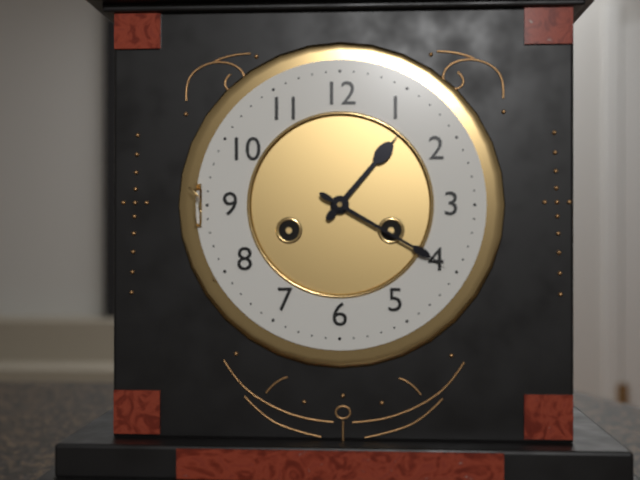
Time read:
1.20
